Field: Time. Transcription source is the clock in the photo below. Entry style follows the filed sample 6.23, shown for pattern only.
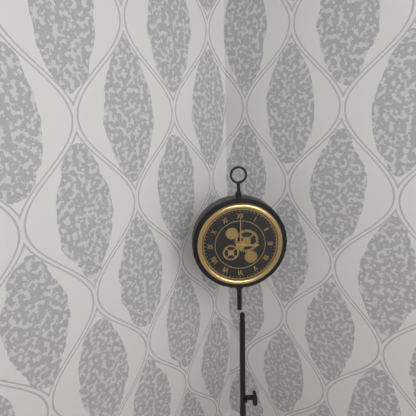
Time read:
3.00
